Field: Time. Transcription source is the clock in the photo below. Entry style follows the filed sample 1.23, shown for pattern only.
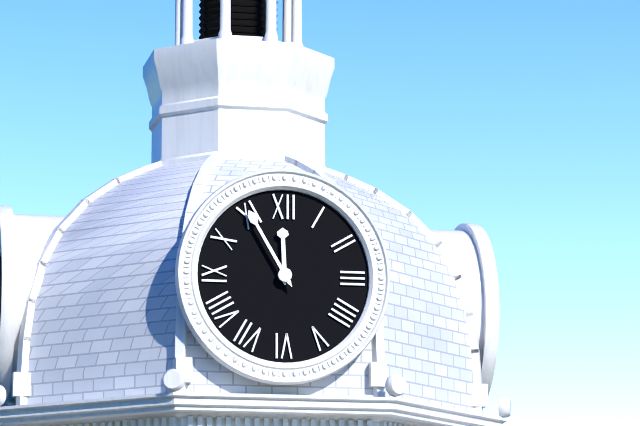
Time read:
11.55
